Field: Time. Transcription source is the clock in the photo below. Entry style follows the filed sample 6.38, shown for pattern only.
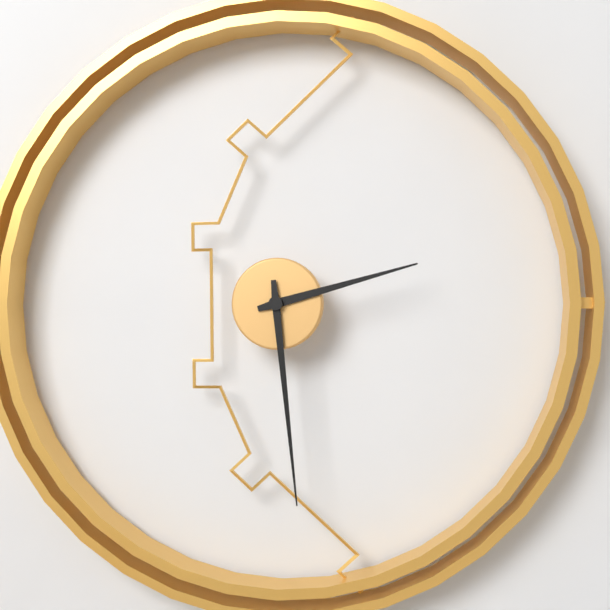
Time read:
2.29
